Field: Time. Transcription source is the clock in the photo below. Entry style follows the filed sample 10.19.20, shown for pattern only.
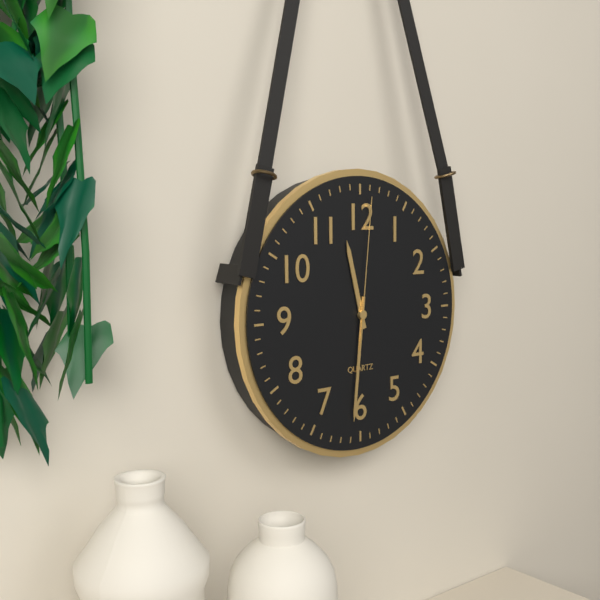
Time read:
11.31.01
